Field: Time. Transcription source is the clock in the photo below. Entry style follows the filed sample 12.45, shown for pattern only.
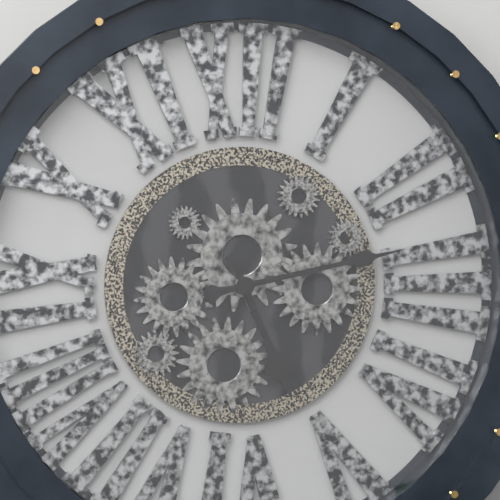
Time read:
5.13
